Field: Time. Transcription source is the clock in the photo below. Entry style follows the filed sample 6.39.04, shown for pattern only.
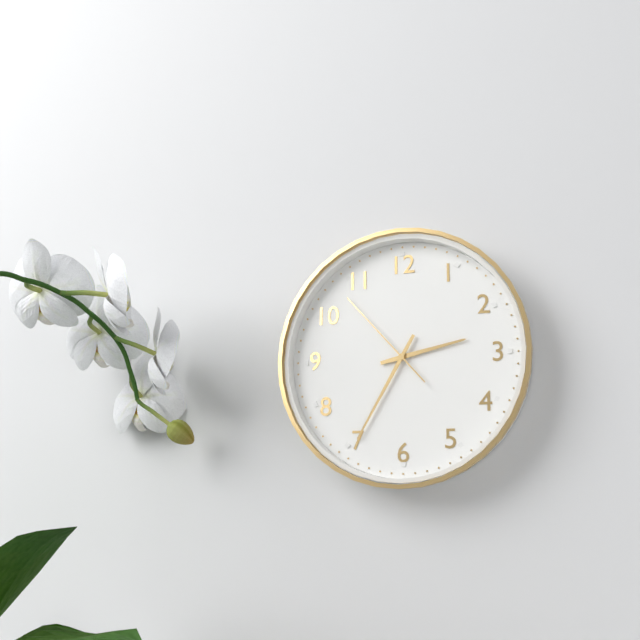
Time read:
2.35.53
